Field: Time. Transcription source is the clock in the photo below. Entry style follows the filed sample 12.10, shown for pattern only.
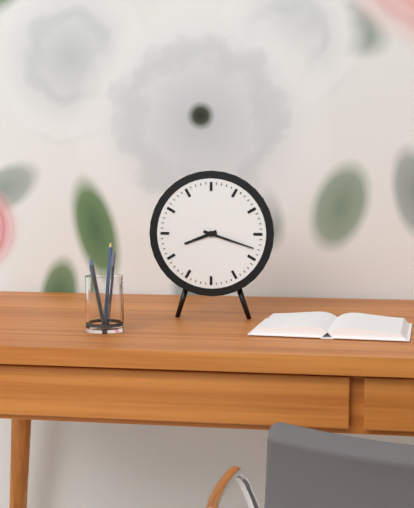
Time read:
8.18
